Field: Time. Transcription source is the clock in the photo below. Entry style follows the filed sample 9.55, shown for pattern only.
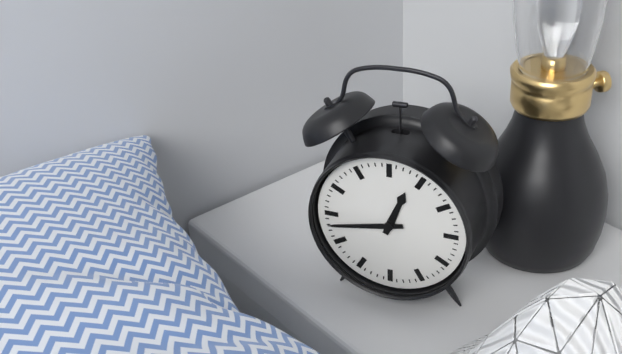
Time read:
12.43
